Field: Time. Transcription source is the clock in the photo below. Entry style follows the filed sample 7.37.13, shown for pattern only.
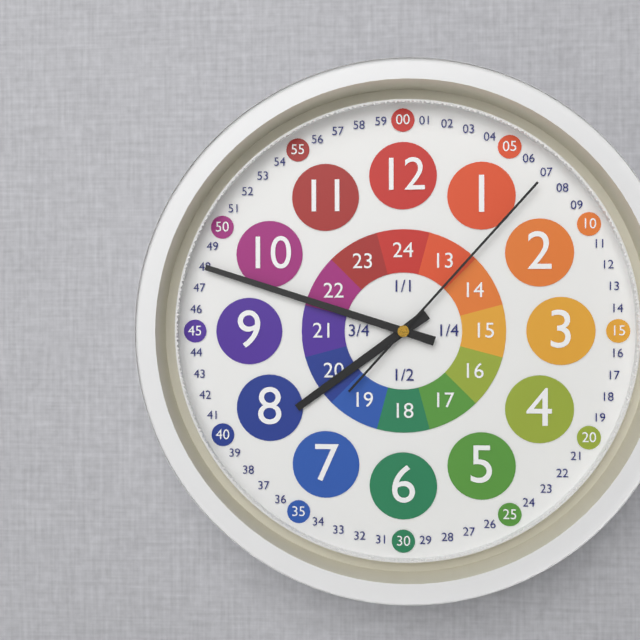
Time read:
7.48.07
